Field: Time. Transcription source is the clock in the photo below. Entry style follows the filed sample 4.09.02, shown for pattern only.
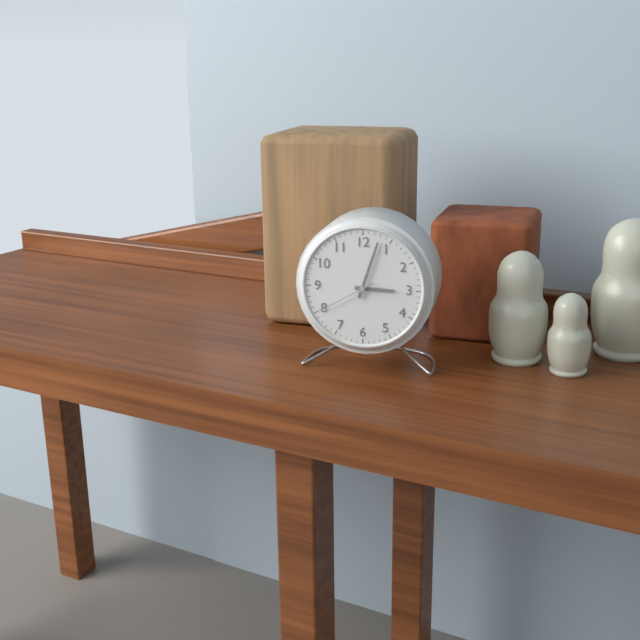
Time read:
3.03.40
